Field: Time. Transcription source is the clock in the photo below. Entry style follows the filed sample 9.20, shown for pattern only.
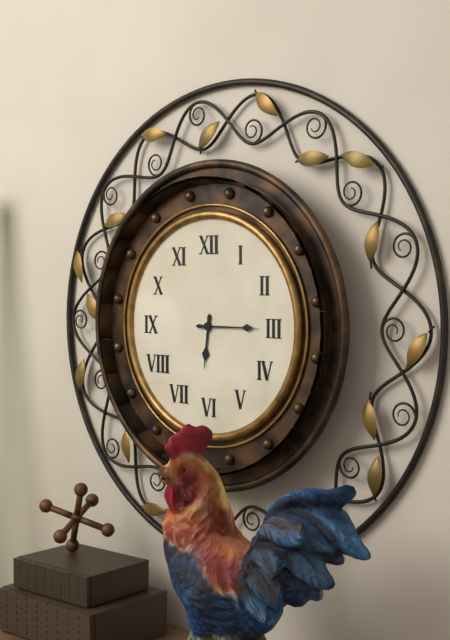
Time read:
6.15
